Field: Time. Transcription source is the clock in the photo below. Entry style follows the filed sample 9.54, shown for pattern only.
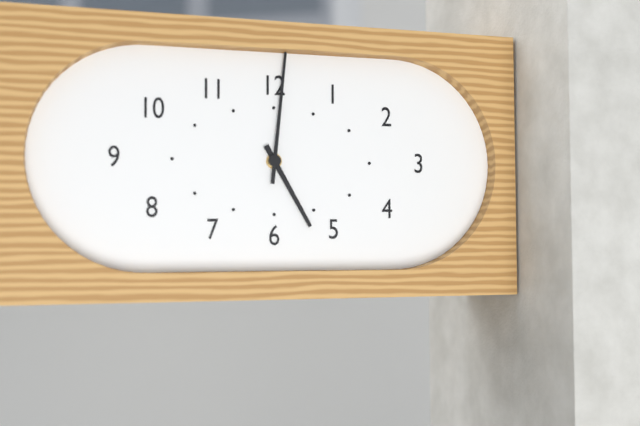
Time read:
5.01
